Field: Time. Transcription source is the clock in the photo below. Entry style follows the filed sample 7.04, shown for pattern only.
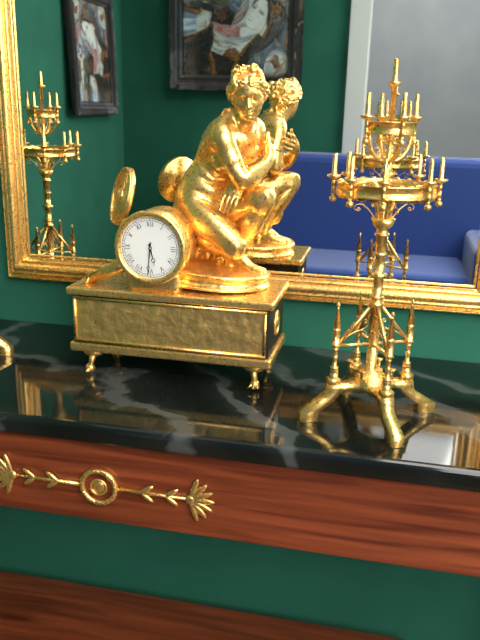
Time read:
5.31
